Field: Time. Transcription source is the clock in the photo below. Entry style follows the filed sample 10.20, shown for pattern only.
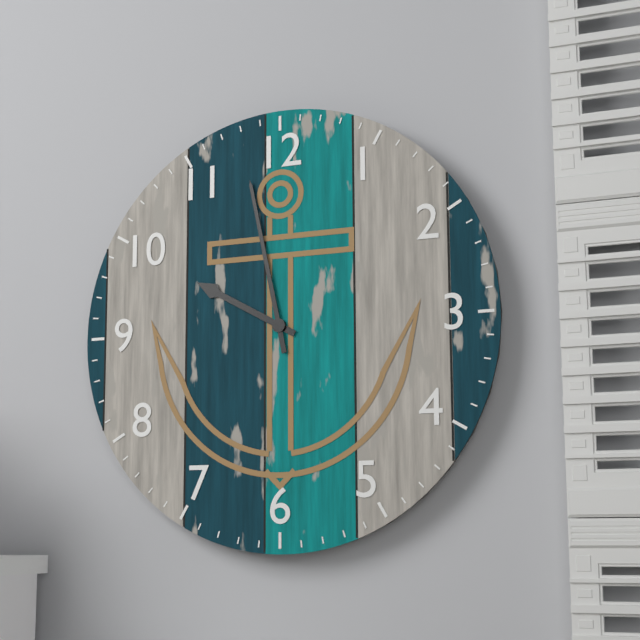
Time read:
9.58
